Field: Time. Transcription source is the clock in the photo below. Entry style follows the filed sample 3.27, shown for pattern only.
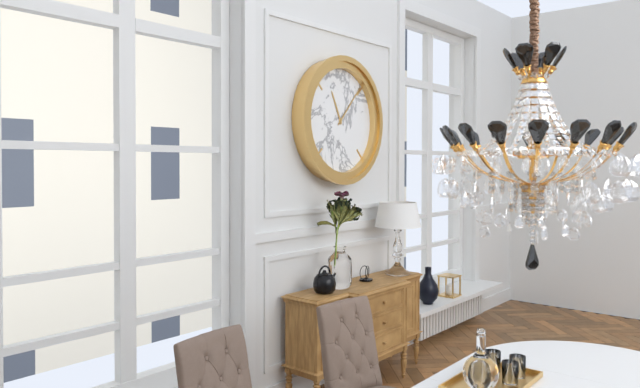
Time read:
11.07
